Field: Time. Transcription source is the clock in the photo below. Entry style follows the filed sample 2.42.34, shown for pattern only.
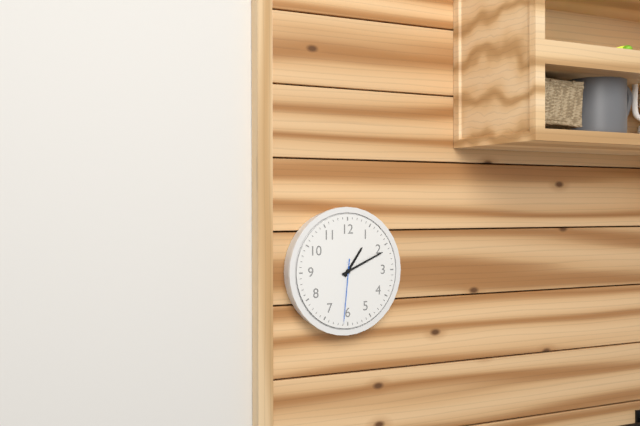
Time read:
1.11.31
